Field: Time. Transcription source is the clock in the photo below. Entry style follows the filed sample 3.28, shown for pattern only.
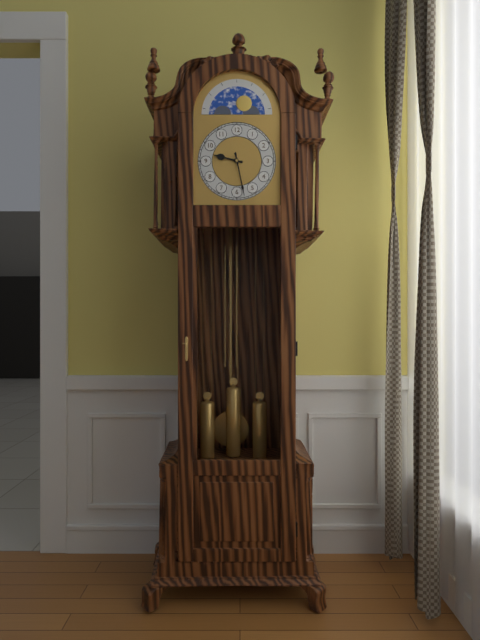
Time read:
9.28
